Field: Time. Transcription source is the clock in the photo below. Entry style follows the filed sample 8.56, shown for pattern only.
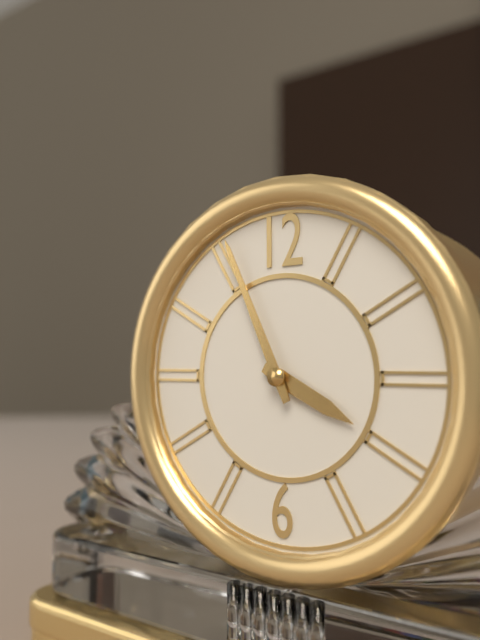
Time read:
3.56
